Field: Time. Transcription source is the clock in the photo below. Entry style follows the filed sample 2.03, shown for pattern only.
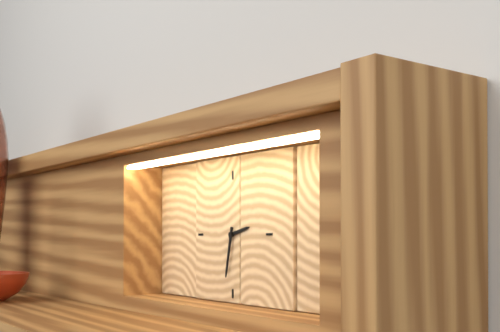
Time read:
2.32
